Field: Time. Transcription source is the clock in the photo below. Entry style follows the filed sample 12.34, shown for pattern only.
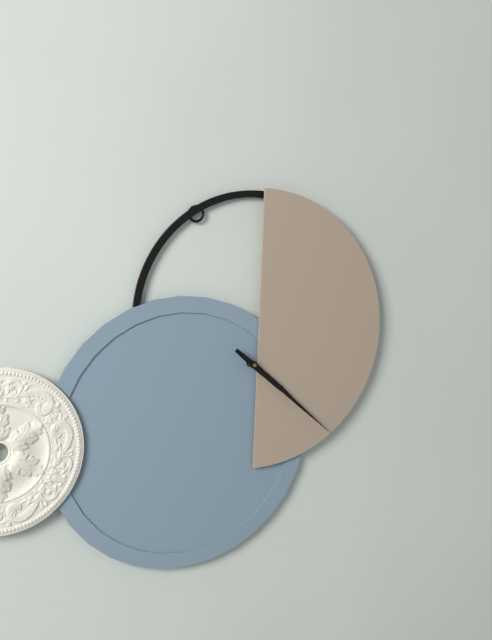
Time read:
4.22
